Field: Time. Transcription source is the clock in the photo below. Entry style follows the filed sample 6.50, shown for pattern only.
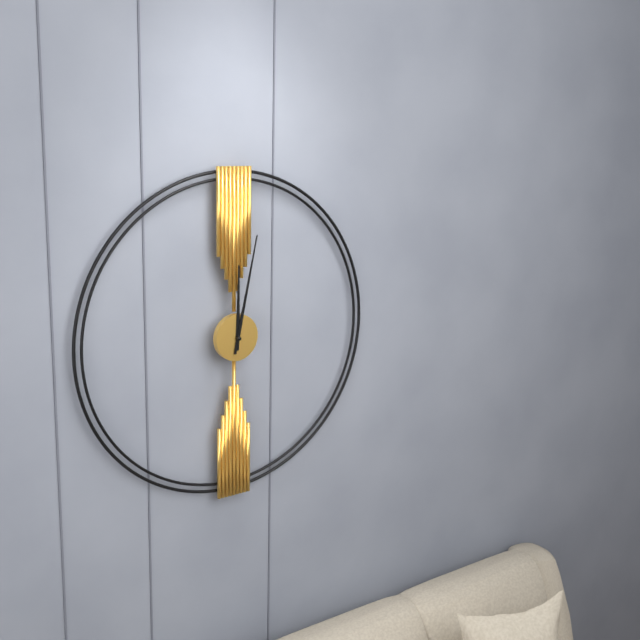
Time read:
12.02
